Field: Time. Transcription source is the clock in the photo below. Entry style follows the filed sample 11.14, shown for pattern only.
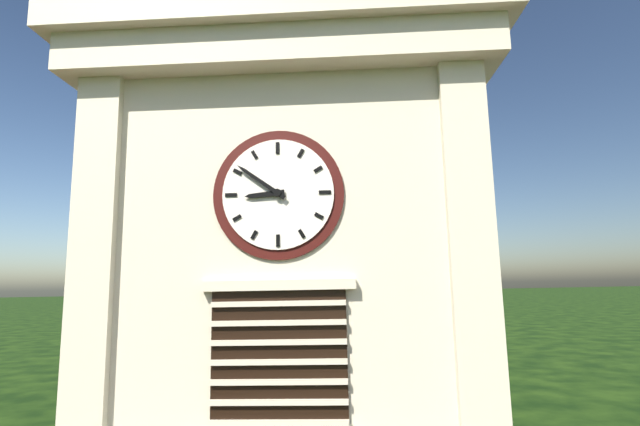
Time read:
8.51
